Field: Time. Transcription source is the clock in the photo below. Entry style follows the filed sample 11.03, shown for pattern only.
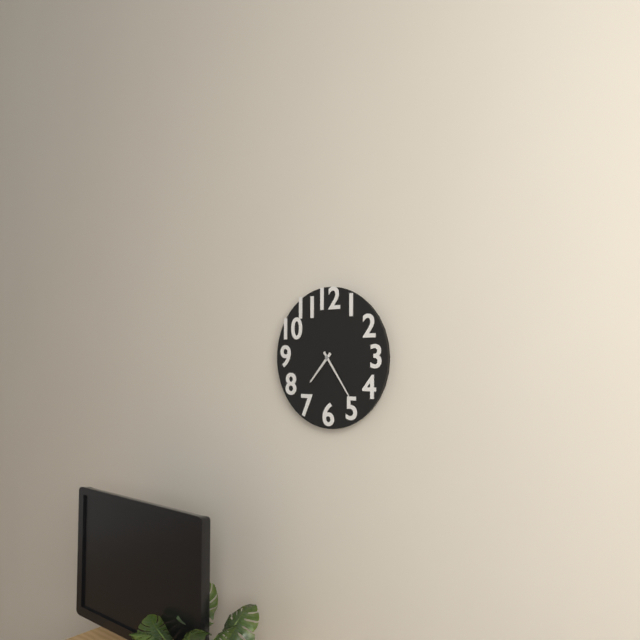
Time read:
7.24
